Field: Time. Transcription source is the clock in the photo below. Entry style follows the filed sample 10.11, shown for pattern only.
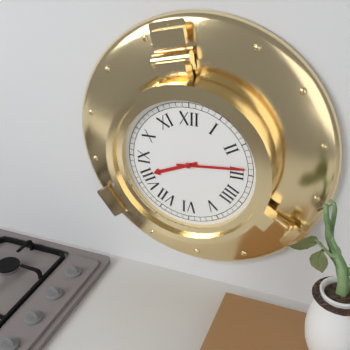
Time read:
8.14
